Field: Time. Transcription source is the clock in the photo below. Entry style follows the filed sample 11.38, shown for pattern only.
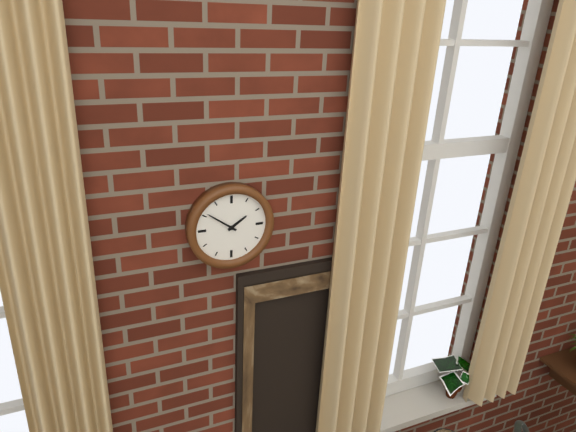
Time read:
1.51
